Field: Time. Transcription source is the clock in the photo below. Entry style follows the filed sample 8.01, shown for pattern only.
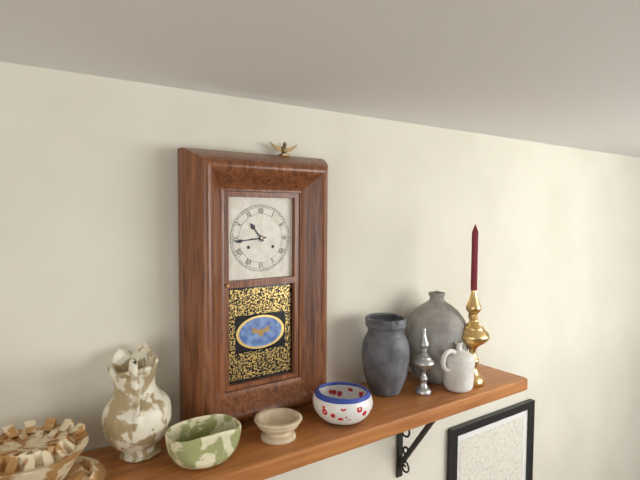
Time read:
10.44
